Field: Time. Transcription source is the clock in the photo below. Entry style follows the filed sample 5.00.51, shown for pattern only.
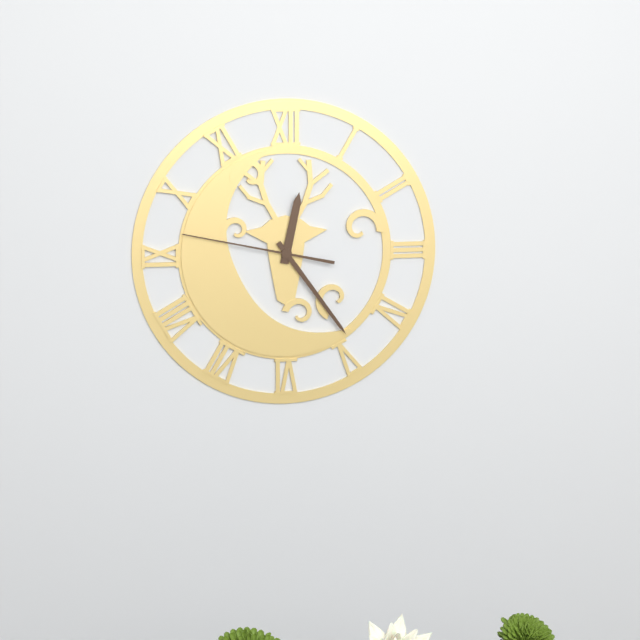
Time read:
12.24.47
